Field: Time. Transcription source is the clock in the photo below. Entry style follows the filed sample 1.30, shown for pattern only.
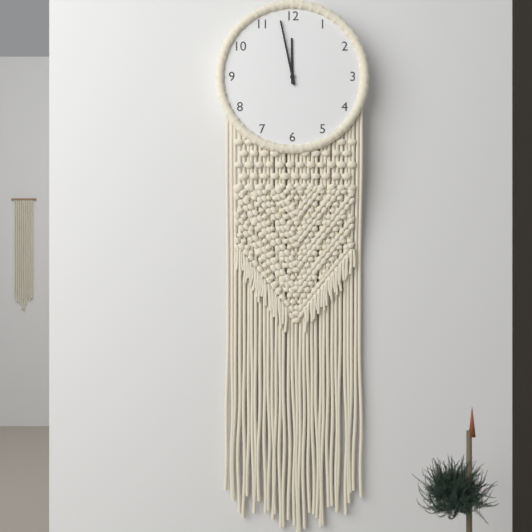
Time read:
11.58
